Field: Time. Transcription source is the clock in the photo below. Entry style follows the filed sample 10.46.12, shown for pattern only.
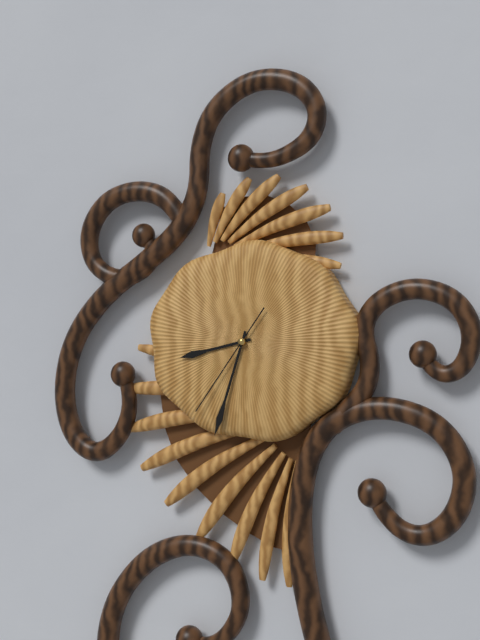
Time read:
8.33.36
